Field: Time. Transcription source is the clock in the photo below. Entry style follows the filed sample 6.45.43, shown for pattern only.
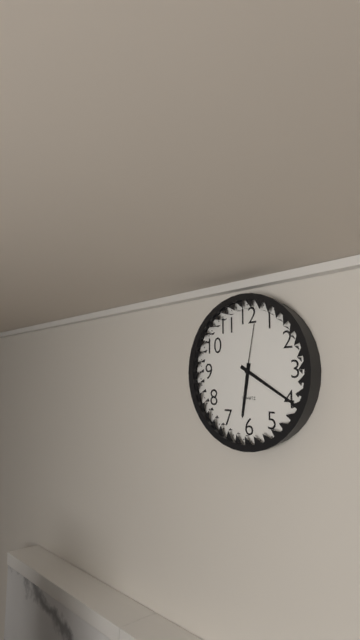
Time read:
6.20.02
